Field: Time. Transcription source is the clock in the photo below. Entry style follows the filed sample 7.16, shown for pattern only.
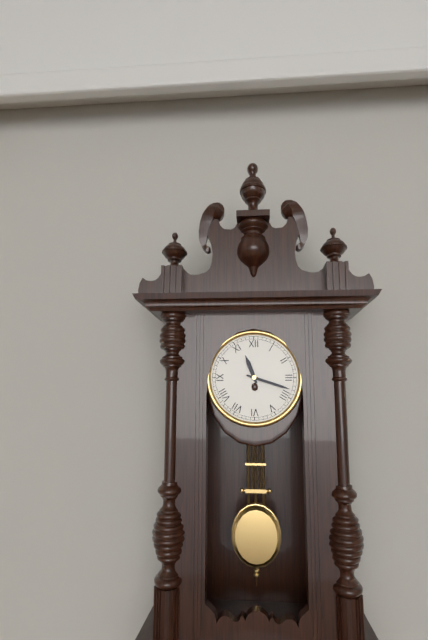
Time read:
11.18
